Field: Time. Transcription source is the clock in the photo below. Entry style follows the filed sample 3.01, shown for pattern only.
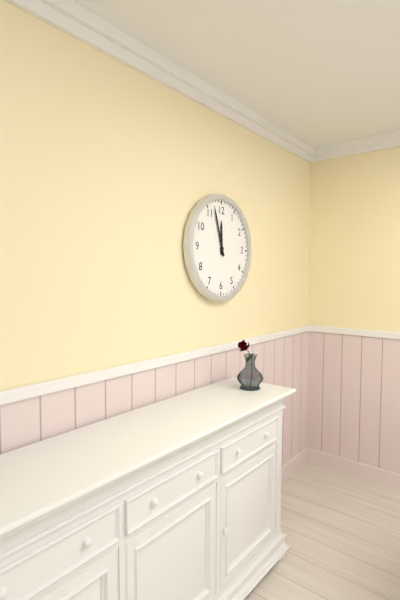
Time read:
11.57
